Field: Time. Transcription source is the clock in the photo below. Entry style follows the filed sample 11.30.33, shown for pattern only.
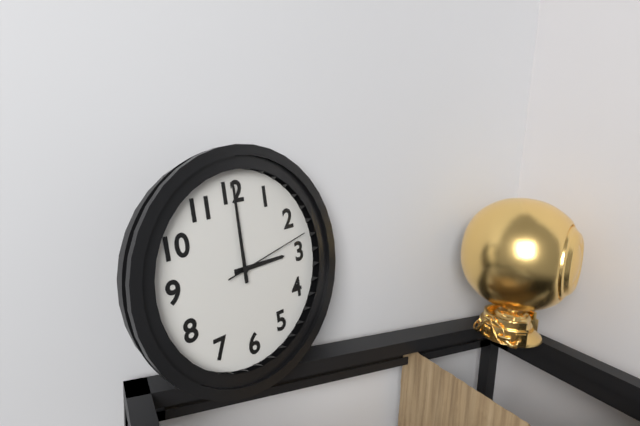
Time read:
3.00.13
